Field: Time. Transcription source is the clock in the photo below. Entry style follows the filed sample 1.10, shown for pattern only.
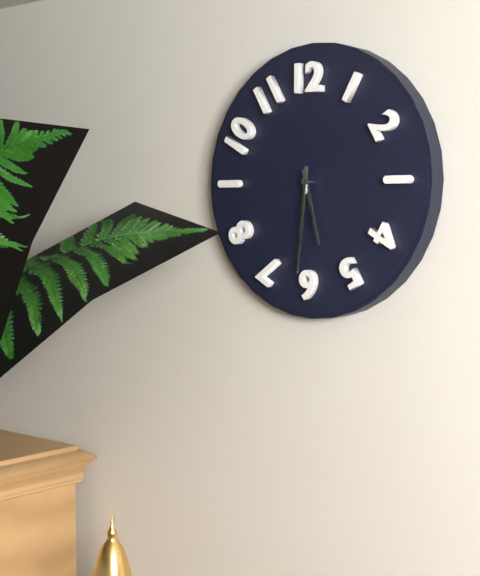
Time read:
5.31
